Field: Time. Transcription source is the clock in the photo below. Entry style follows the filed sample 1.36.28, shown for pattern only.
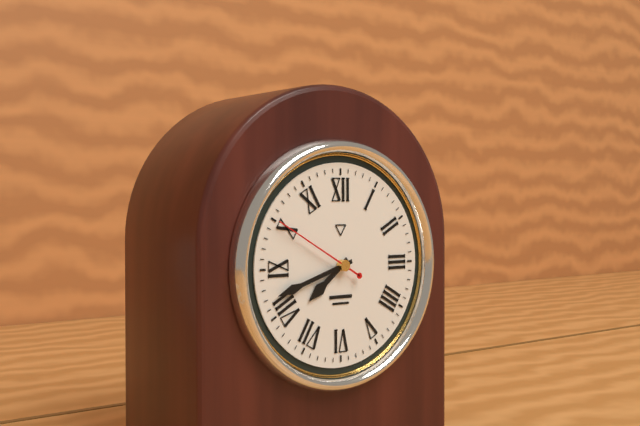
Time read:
7.42.50
